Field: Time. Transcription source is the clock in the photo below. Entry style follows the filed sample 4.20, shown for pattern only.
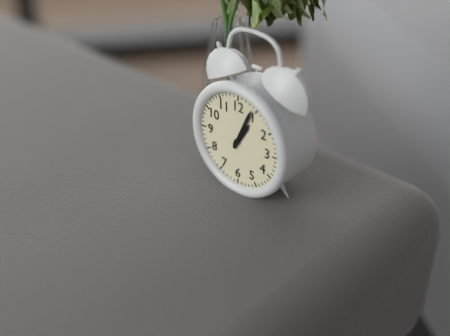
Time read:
1.04
